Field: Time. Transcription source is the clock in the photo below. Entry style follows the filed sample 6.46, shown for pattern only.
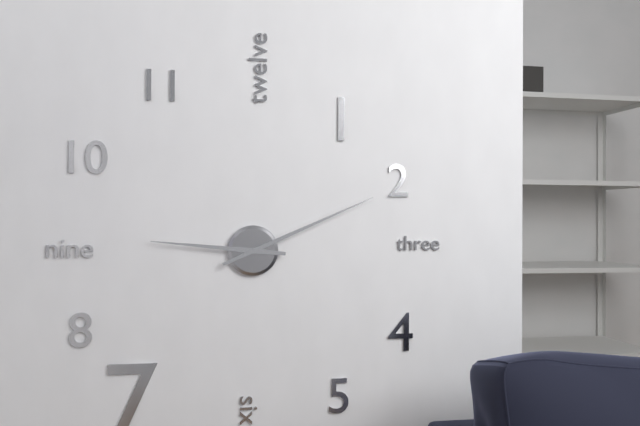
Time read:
9.11
